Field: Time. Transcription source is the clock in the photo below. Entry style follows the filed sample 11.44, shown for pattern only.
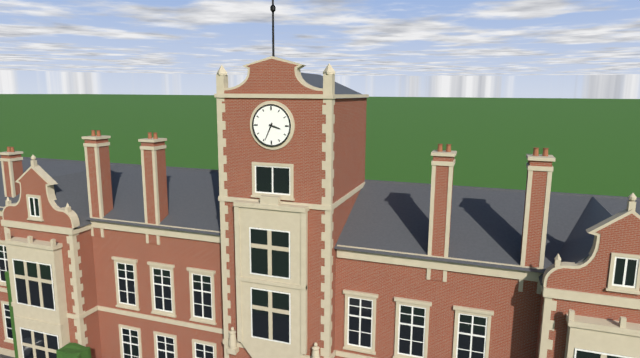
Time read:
3.34
